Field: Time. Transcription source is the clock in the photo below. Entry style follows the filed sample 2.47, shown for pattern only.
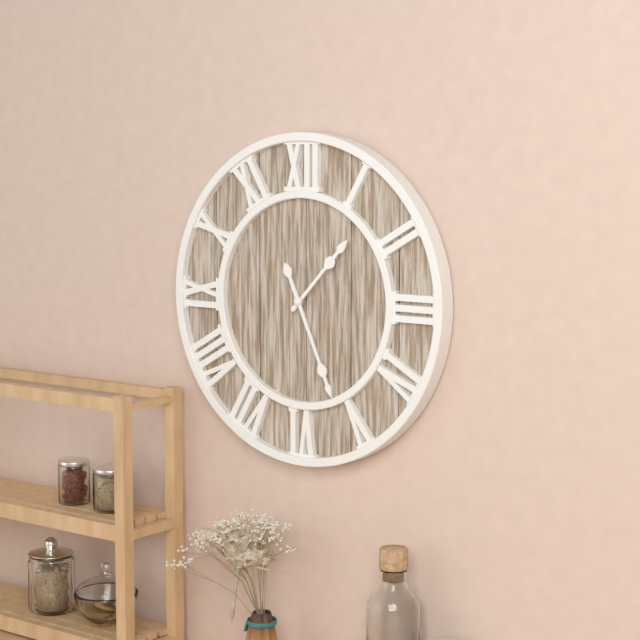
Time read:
1.26
